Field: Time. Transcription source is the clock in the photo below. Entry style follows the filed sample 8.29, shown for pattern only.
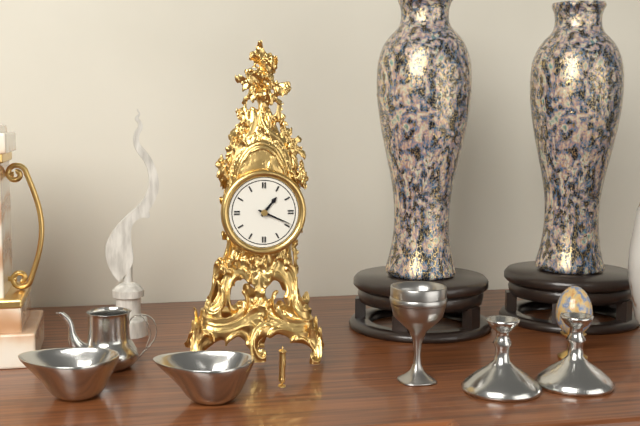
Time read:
1.19
